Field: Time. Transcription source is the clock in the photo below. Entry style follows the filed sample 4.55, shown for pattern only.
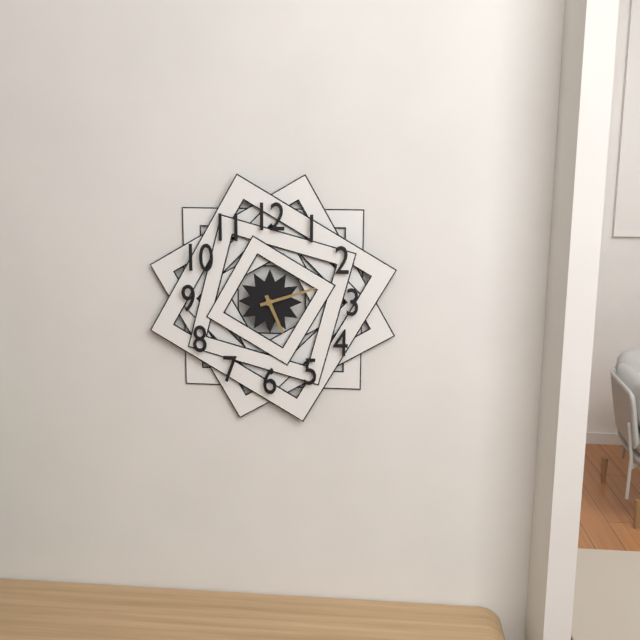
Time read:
5.12
